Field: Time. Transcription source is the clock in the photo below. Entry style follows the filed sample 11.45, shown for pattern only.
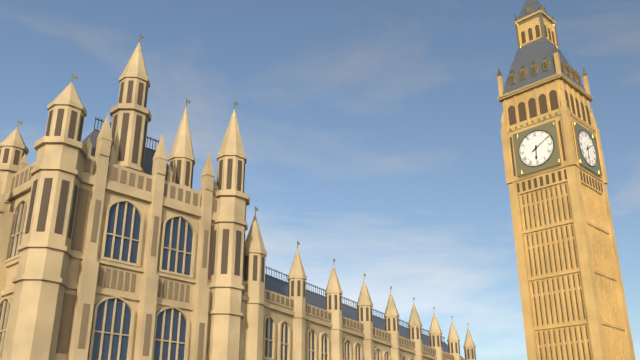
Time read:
6.10
